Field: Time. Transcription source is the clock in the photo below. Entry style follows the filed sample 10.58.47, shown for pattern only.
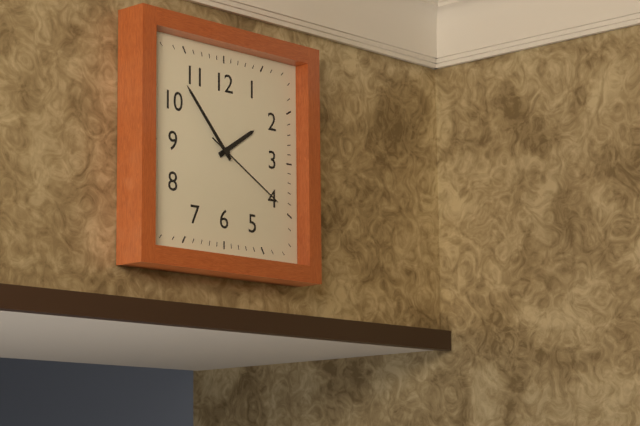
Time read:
1.53.20
